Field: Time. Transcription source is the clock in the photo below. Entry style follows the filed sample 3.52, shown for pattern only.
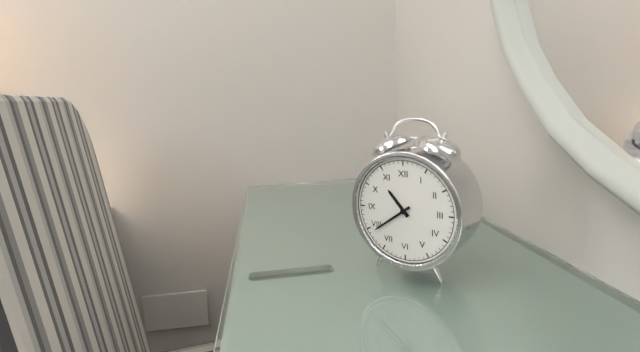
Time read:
10.39
